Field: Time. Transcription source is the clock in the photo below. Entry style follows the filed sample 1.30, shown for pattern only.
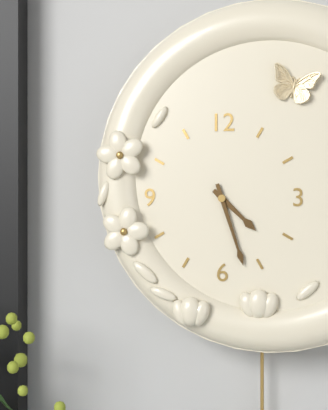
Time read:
4.27
